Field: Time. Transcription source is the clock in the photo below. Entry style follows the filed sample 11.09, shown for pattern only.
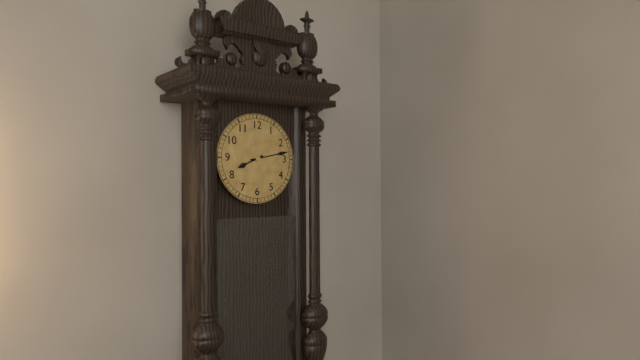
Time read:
8.13
